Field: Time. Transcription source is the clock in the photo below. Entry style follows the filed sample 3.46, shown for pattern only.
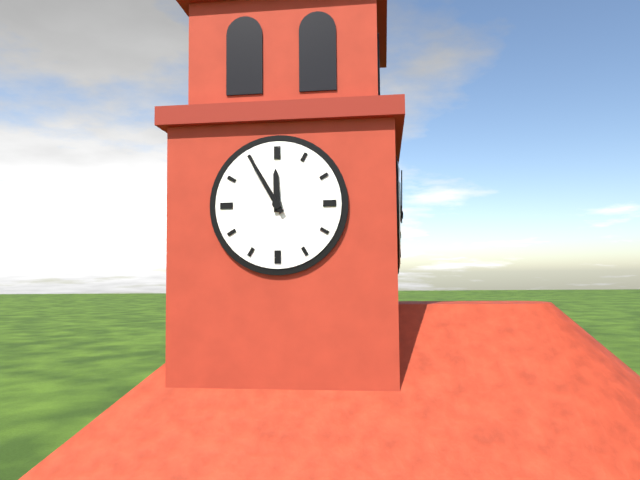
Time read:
11.55
